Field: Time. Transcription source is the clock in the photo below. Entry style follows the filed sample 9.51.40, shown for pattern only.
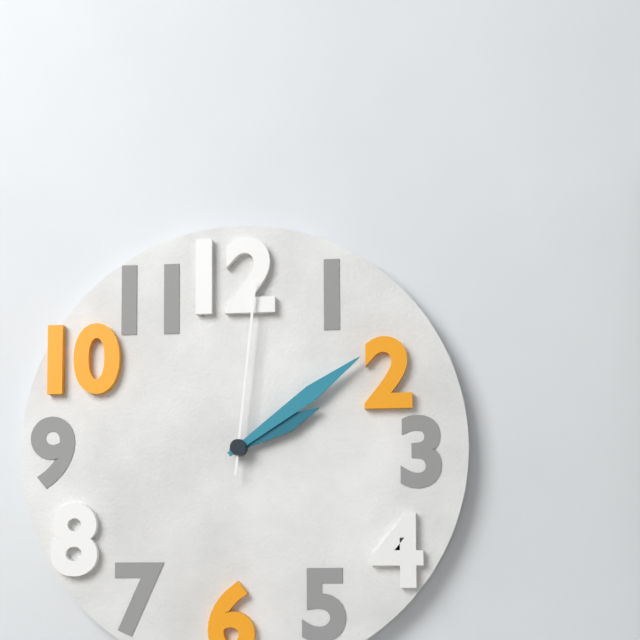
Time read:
2.09.01
